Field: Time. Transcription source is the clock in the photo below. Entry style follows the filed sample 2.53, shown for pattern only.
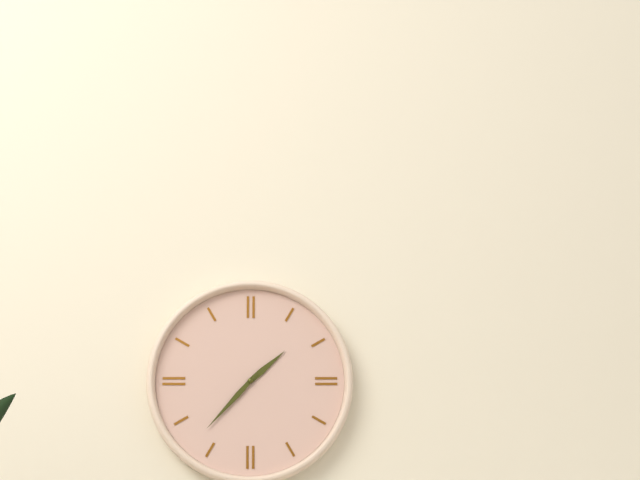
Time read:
1.37
